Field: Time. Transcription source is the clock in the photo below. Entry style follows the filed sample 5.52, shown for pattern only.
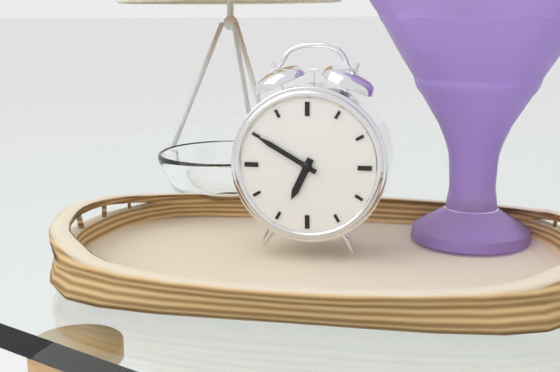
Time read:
6.50
